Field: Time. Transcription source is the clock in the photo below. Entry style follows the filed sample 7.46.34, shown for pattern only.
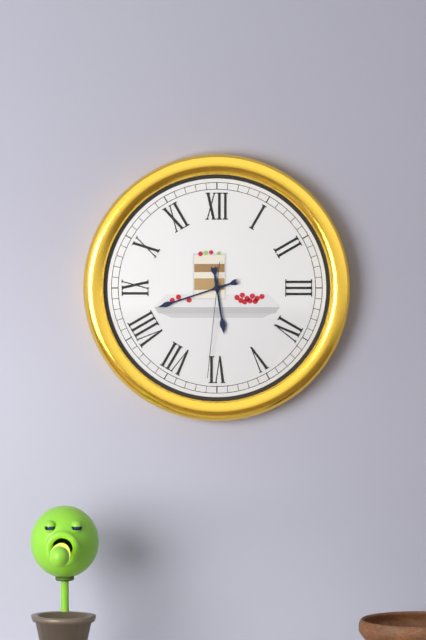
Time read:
5.42.31
